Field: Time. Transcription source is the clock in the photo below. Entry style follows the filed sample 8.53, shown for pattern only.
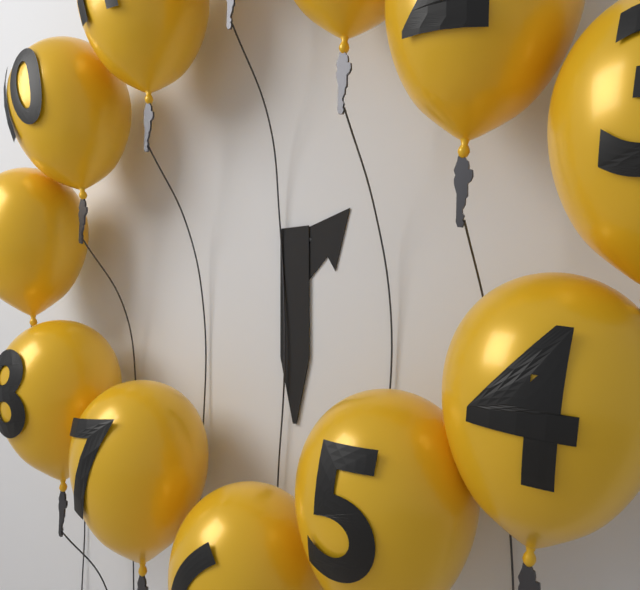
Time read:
1.30
